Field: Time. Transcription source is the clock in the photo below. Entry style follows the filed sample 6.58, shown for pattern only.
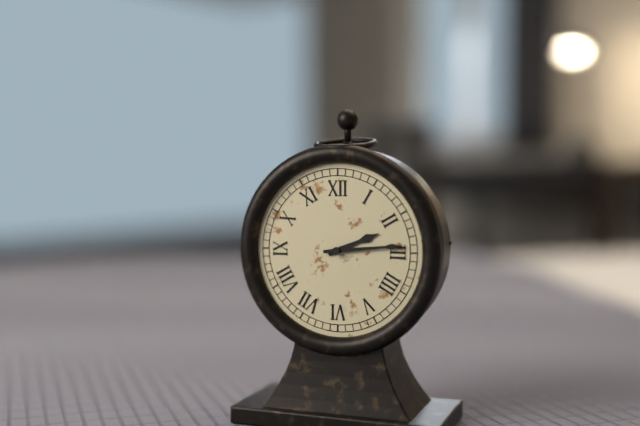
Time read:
2.14
